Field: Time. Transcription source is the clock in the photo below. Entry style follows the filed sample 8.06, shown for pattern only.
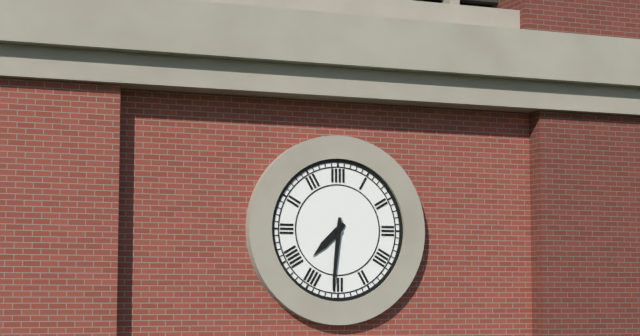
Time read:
7.31
